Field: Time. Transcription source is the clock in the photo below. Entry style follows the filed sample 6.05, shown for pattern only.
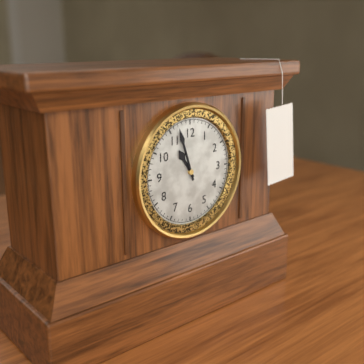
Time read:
10.57
